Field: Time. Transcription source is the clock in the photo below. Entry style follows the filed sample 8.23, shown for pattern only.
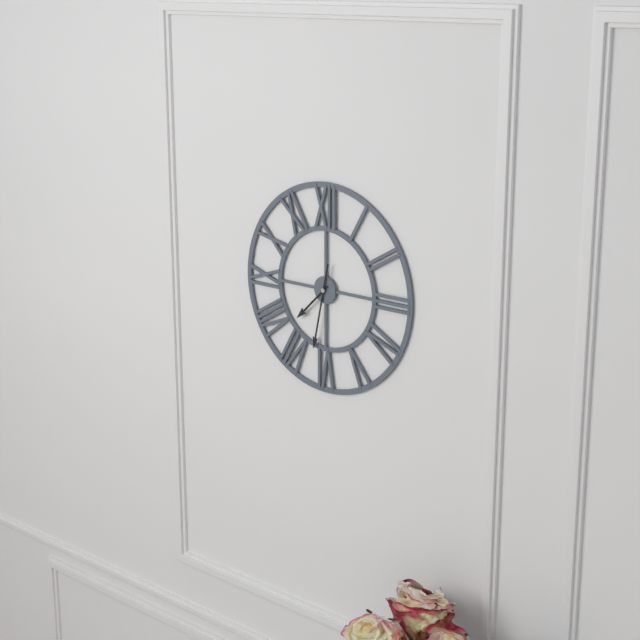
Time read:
7.32
